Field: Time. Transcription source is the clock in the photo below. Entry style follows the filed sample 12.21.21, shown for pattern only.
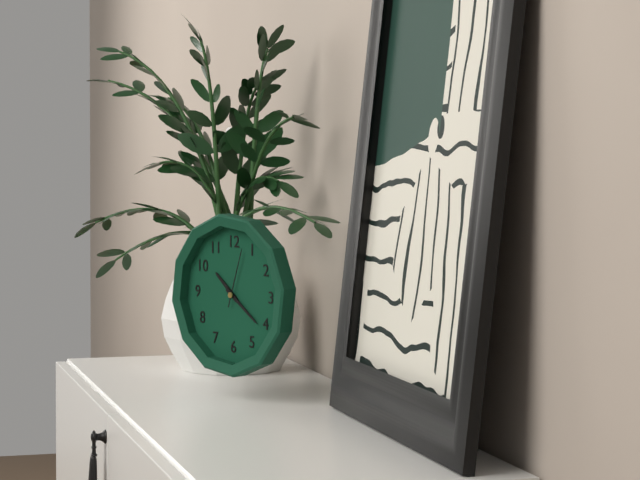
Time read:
10.21.03
